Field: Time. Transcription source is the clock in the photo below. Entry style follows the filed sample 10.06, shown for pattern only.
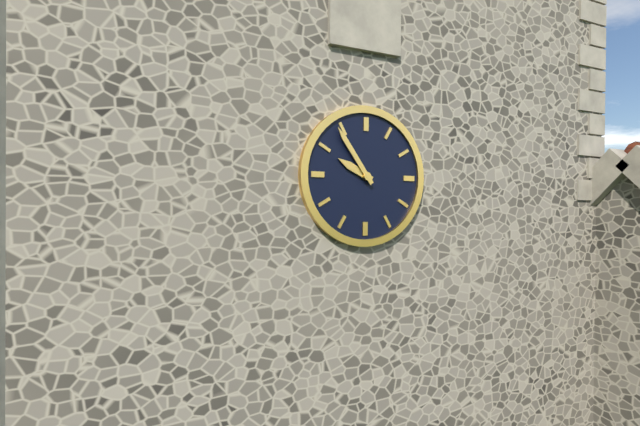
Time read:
9.54
